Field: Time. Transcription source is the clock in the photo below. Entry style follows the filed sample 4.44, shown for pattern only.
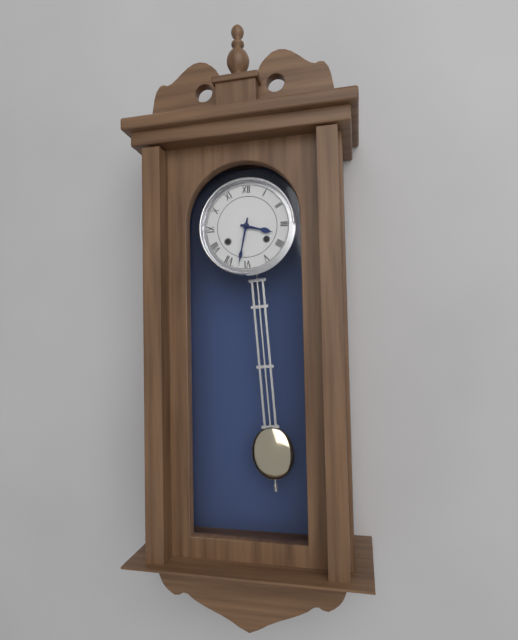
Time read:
3.32
